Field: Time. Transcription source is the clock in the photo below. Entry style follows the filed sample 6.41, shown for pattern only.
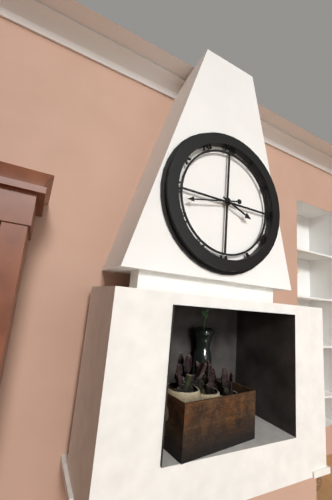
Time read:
3.43
